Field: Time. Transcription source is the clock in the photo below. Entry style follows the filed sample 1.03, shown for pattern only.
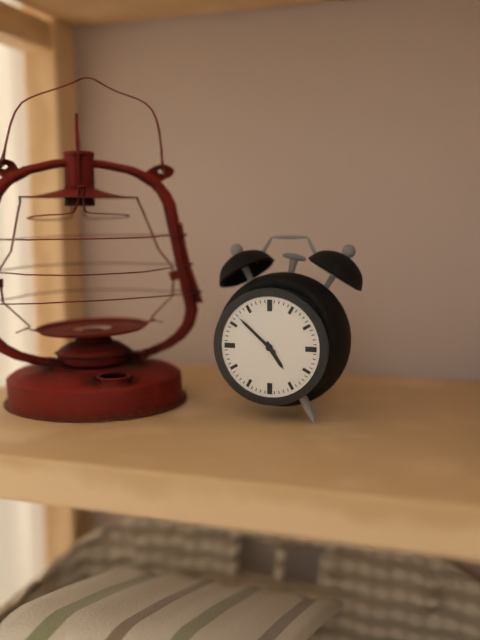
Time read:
4.52
